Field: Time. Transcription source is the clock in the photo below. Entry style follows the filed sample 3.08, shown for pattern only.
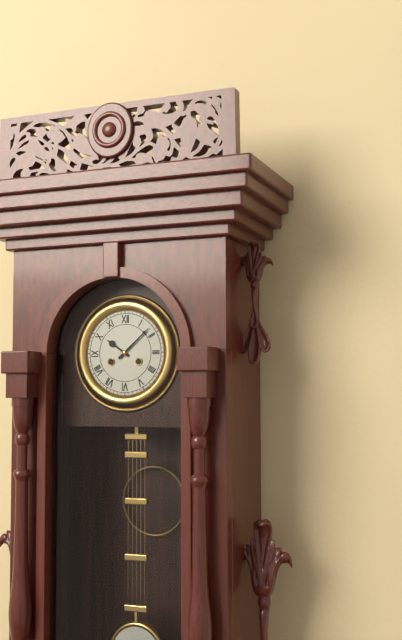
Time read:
10.08
